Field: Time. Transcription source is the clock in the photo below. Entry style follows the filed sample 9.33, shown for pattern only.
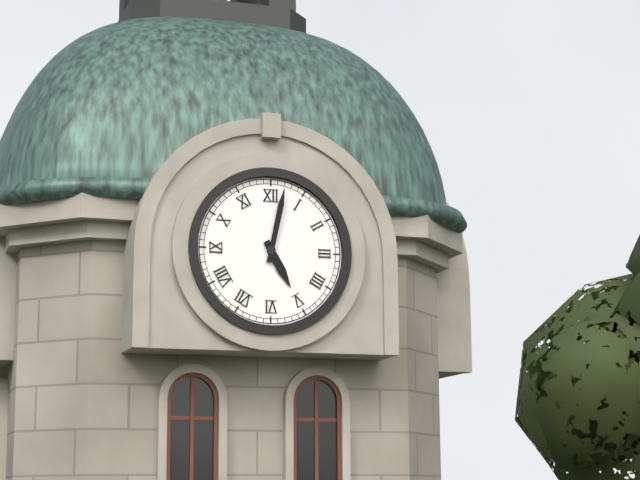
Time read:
5.02
